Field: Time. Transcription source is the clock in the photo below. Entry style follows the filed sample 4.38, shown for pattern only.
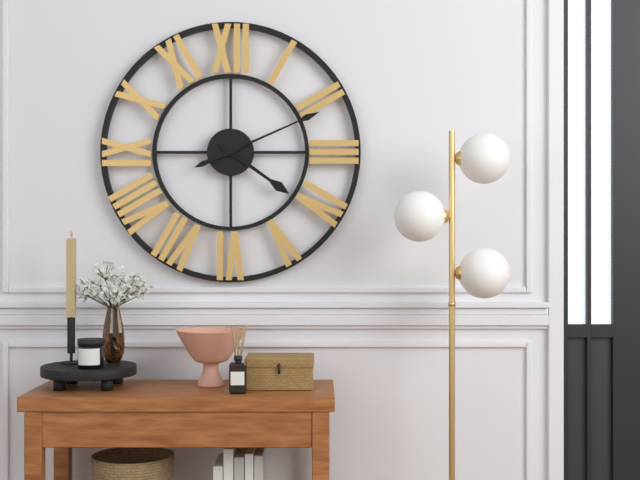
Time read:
4.11
